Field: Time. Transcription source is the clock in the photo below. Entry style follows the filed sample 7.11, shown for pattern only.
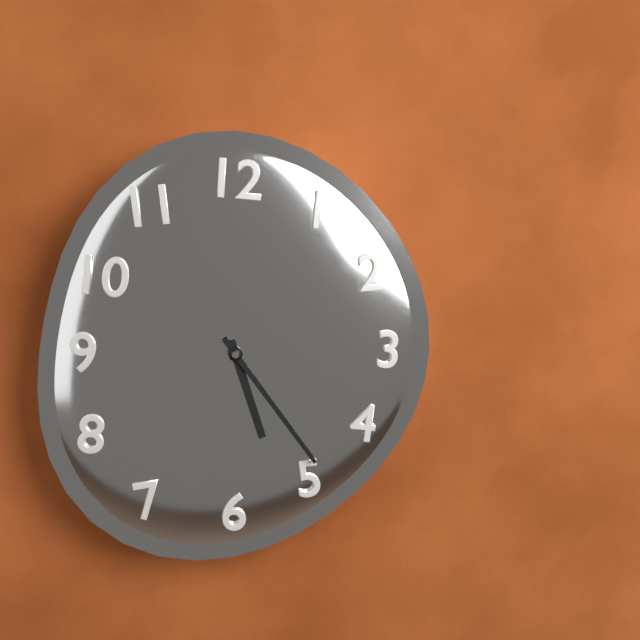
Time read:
5.24
